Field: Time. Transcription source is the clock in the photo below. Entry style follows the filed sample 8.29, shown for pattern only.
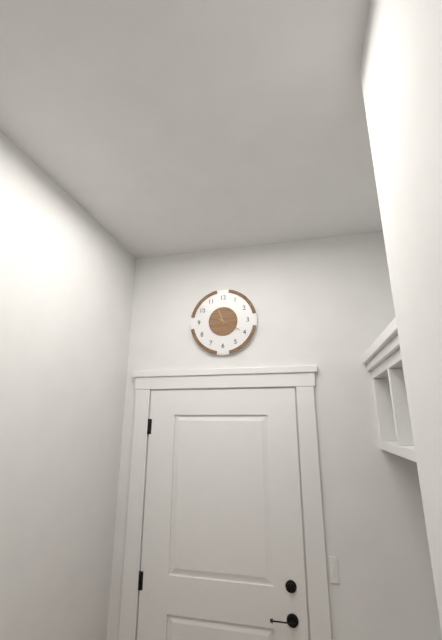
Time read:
11.20
